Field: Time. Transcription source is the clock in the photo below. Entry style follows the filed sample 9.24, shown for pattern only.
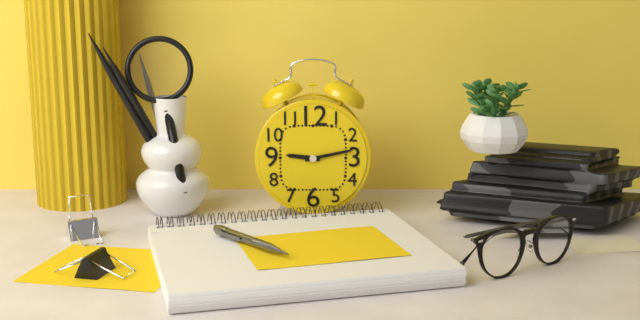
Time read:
9.13
